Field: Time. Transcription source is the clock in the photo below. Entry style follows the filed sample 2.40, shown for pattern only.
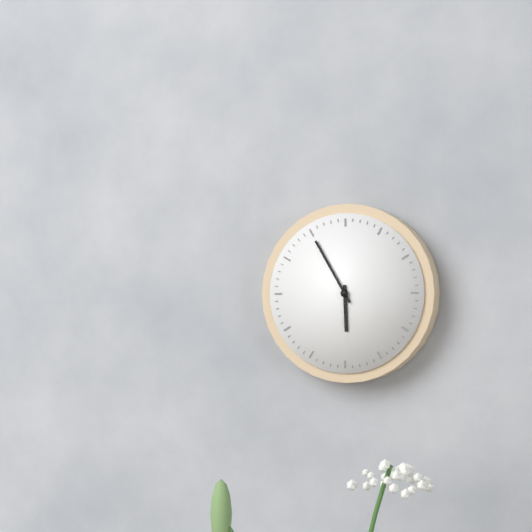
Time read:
5.55
